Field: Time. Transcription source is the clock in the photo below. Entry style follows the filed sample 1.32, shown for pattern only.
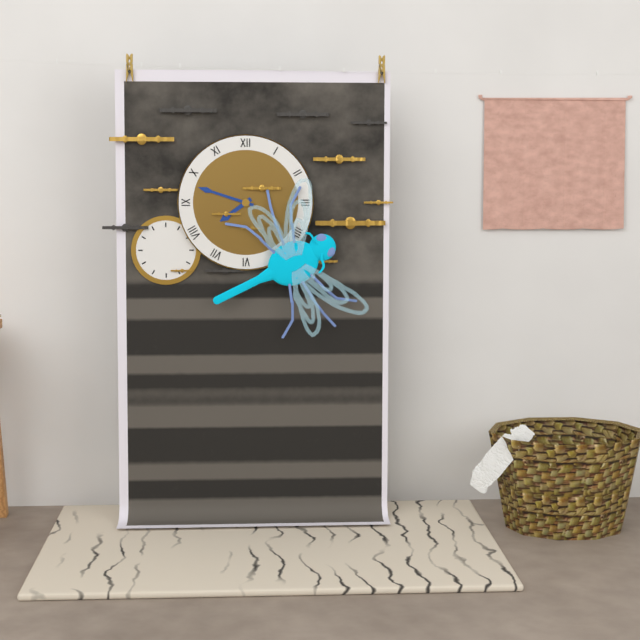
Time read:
7.48
